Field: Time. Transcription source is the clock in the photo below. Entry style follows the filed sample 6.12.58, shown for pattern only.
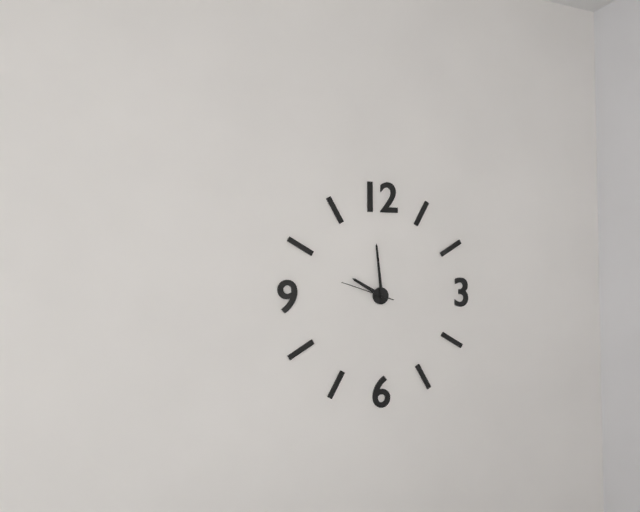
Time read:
9.59.48
